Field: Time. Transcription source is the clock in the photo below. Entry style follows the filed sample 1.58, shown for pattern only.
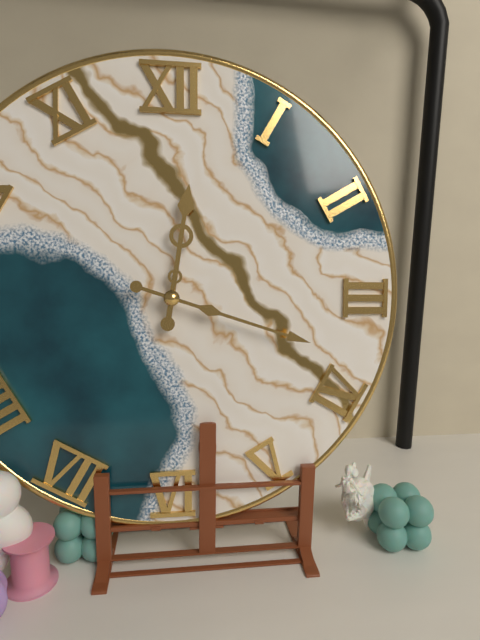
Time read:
12.18
